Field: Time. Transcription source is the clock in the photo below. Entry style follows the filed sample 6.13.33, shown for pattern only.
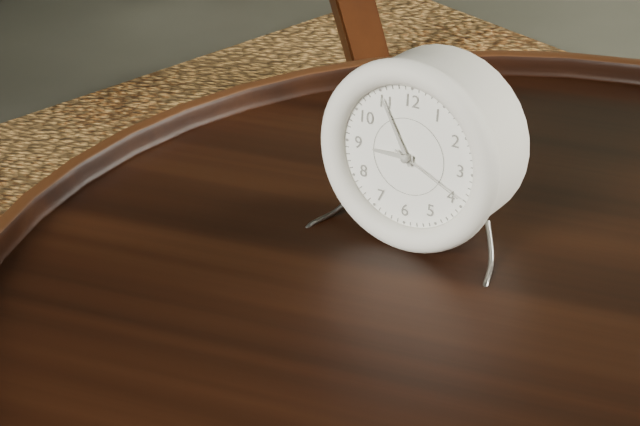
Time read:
8.55.19
